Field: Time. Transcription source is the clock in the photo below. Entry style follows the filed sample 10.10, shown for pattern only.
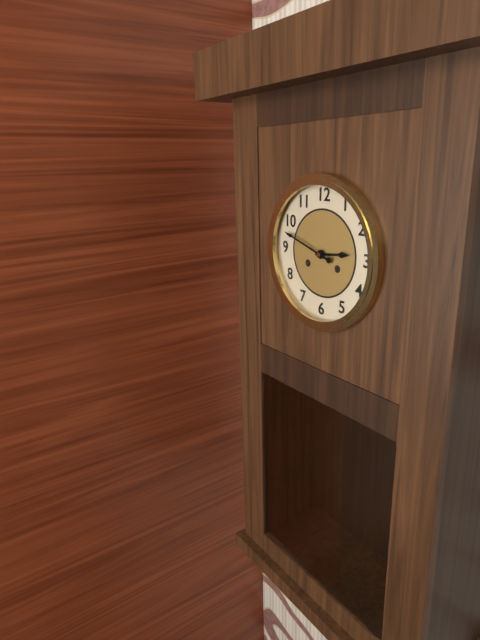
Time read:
2.48
